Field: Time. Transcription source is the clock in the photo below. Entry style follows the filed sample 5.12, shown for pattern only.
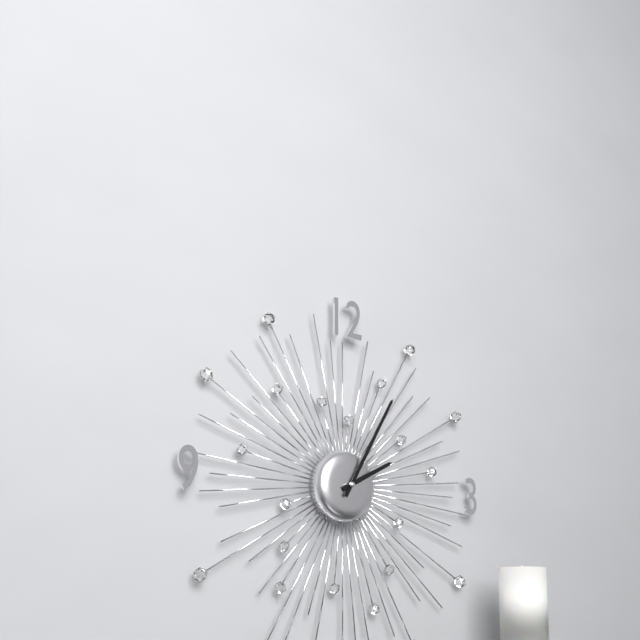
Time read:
2.05
